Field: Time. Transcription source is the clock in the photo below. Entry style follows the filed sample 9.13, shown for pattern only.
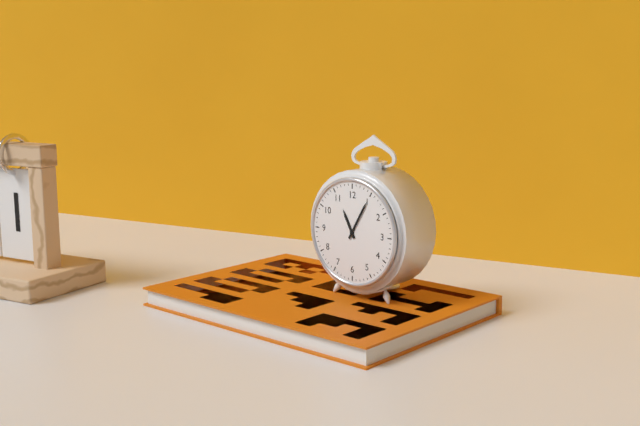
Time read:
11.05
